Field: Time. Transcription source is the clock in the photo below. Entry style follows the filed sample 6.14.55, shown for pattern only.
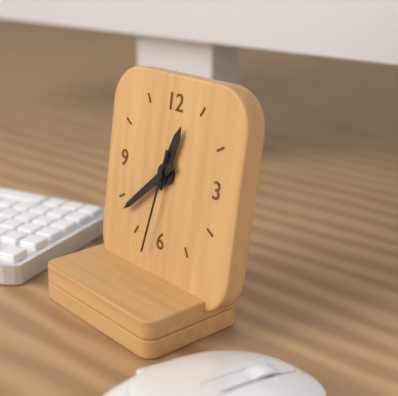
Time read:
12.38.32
